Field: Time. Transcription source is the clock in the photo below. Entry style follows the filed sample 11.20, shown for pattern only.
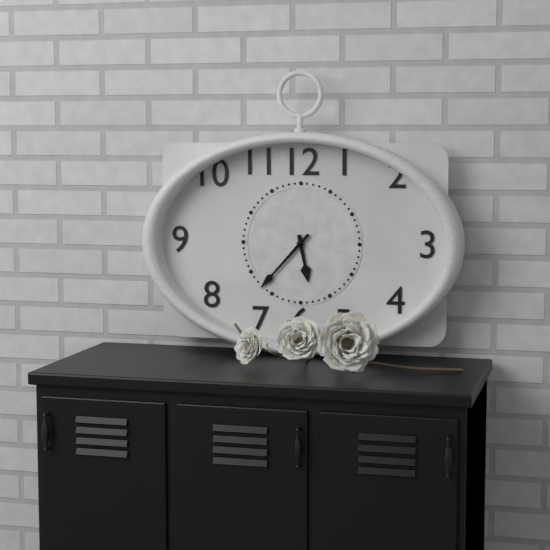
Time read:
5.37
